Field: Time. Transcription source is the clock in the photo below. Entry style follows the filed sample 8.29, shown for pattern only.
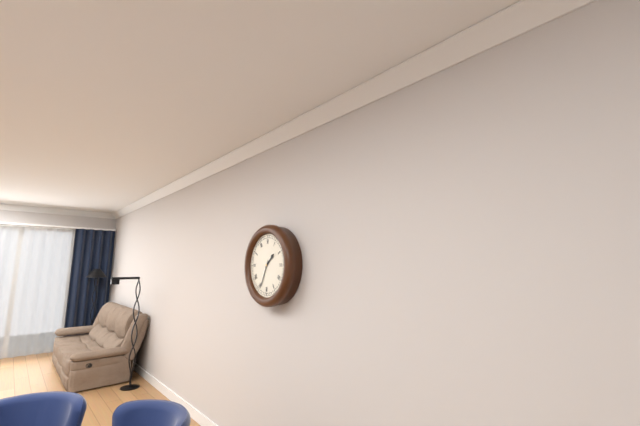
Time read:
1.34
